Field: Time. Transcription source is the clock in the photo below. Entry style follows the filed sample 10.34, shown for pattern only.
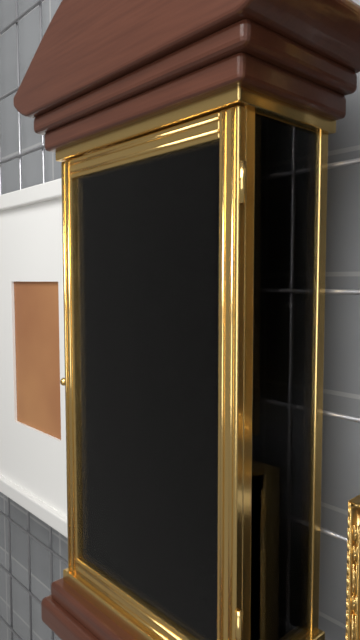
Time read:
7.06
